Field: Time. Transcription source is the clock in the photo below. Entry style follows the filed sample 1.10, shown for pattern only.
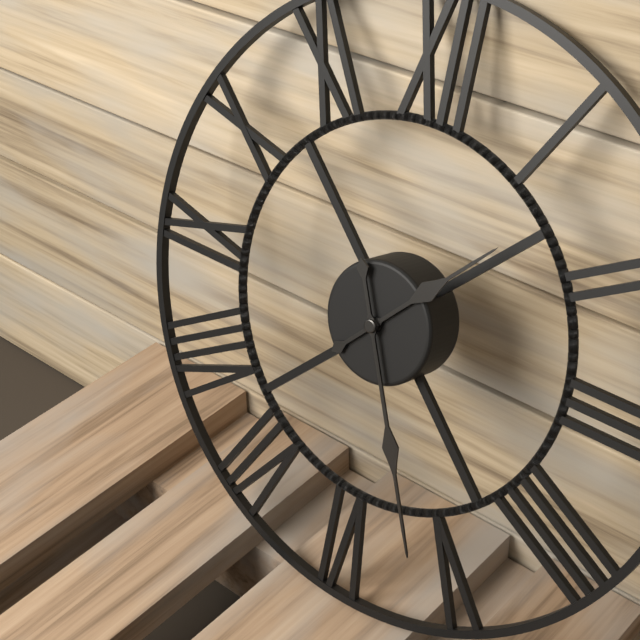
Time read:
1.26
